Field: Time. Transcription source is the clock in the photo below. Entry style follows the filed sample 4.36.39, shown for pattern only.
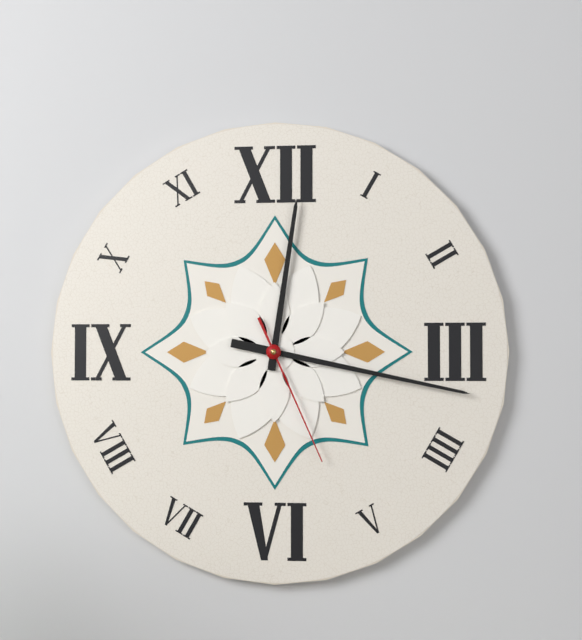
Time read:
12.17.26
